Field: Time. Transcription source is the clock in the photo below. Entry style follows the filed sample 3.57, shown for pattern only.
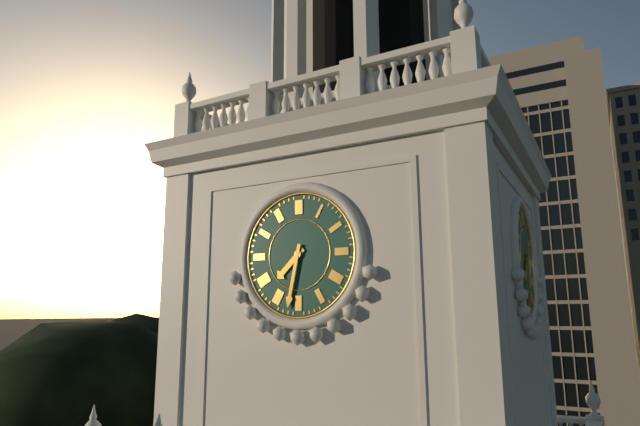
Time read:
7.32
